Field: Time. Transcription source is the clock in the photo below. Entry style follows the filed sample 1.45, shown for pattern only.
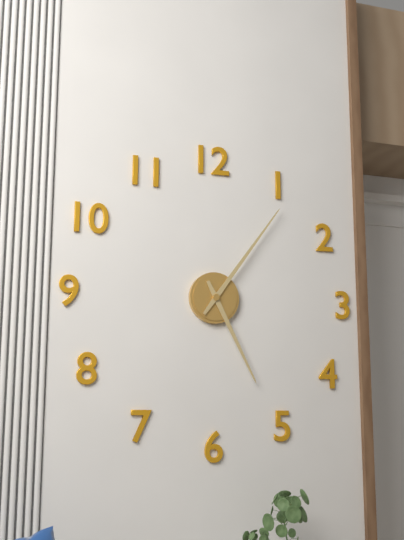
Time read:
5.06
